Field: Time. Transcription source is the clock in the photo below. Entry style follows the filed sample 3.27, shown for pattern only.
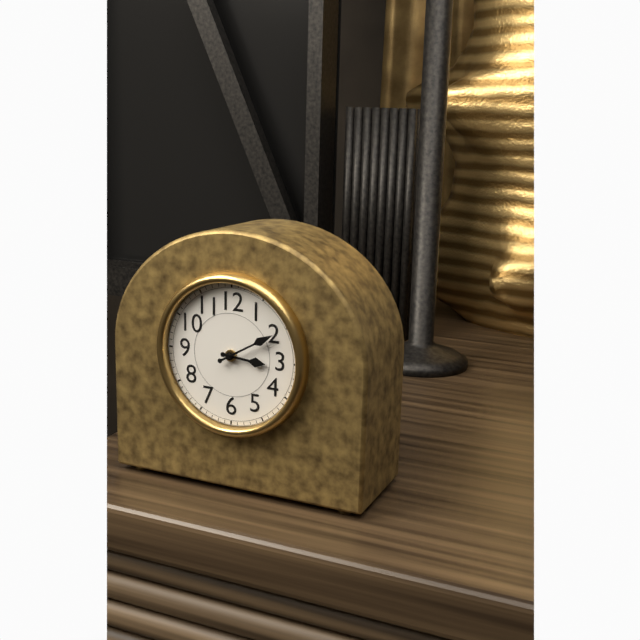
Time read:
3.10
